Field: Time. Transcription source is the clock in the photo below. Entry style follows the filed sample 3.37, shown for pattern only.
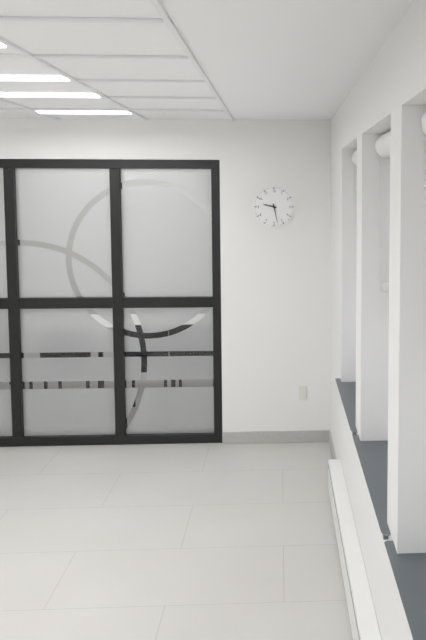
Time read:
9.28
